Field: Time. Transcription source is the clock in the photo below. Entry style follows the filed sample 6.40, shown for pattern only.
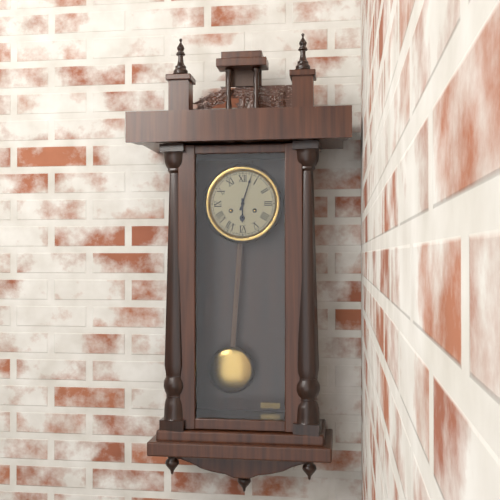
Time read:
6.03
